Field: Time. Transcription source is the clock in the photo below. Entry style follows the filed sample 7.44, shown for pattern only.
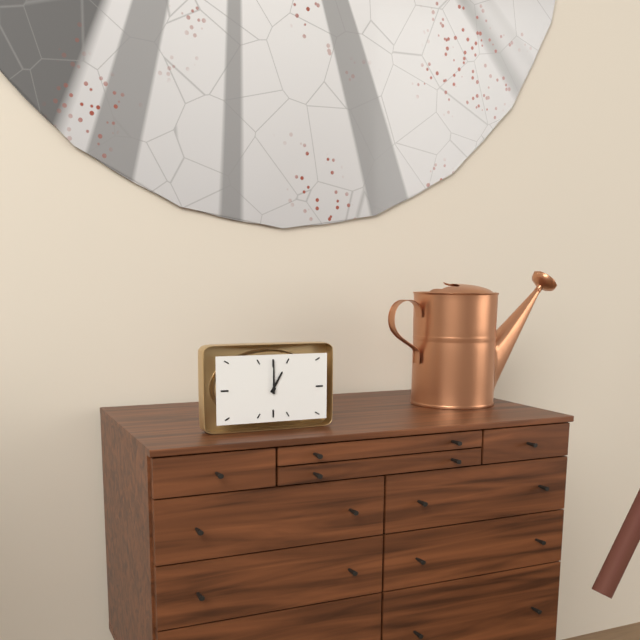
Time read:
1.00
